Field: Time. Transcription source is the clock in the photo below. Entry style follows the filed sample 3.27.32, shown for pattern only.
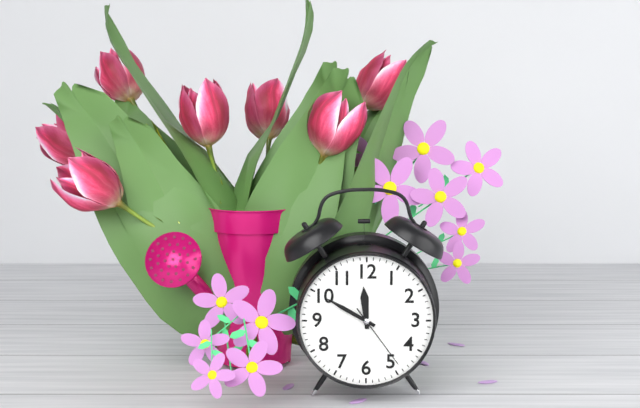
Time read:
11.50.24
